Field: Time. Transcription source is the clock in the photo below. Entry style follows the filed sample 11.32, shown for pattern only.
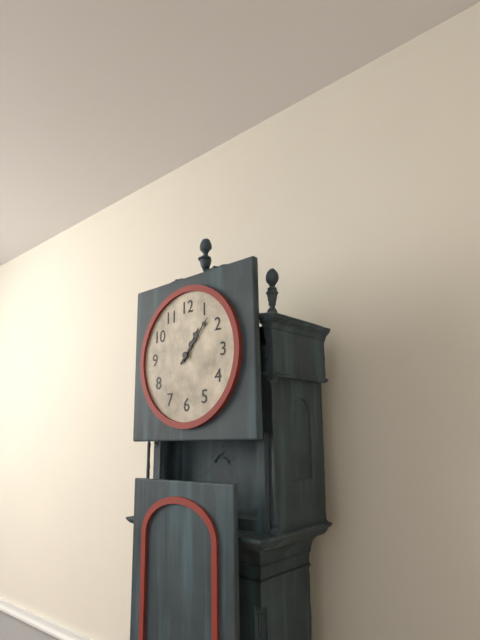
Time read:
1.07
